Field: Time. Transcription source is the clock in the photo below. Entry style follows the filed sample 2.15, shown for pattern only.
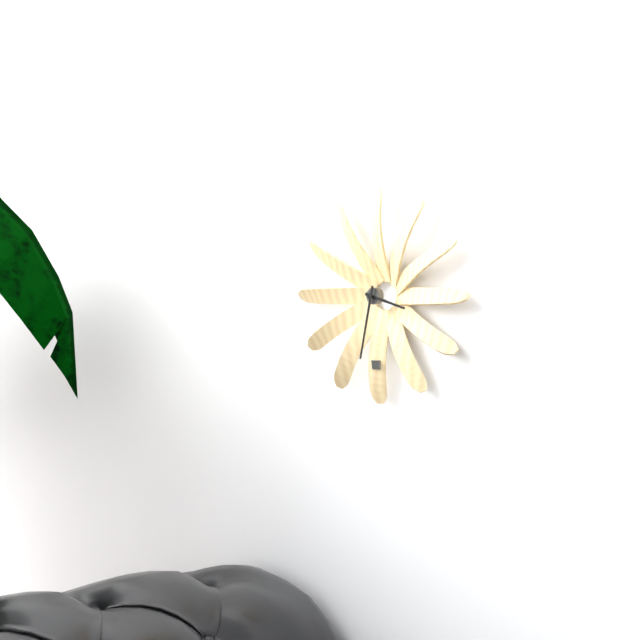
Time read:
3.32
